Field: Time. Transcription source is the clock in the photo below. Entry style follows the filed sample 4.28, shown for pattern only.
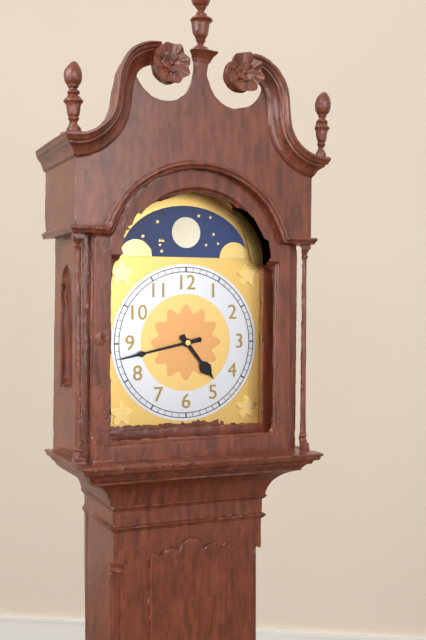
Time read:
4.43
